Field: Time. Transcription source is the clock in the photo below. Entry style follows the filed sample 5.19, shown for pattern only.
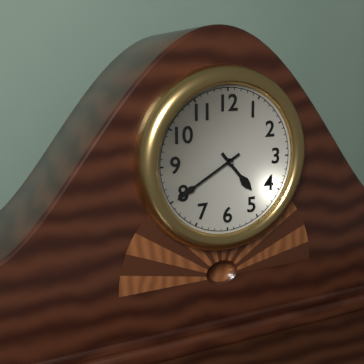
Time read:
4.40
